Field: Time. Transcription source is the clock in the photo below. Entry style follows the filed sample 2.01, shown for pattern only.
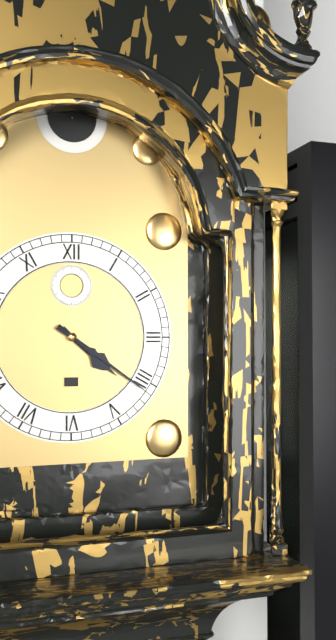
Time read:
4.21
